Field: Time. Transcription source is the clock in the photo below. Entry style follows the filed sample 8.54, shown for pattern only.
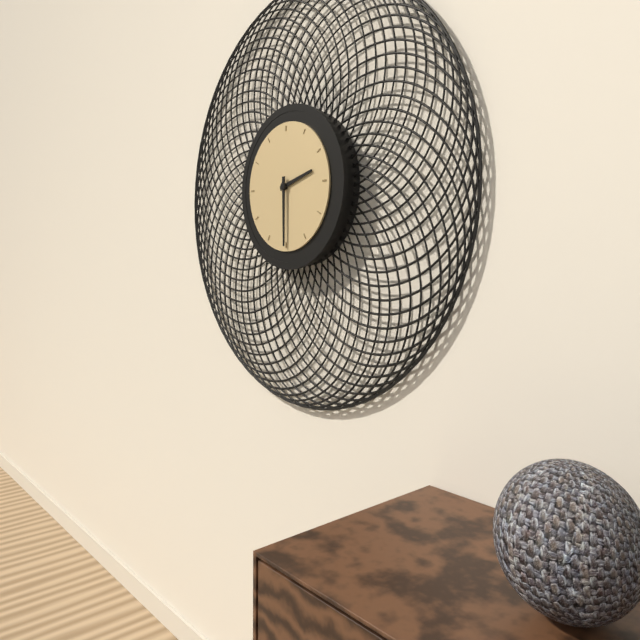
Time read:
2.30
